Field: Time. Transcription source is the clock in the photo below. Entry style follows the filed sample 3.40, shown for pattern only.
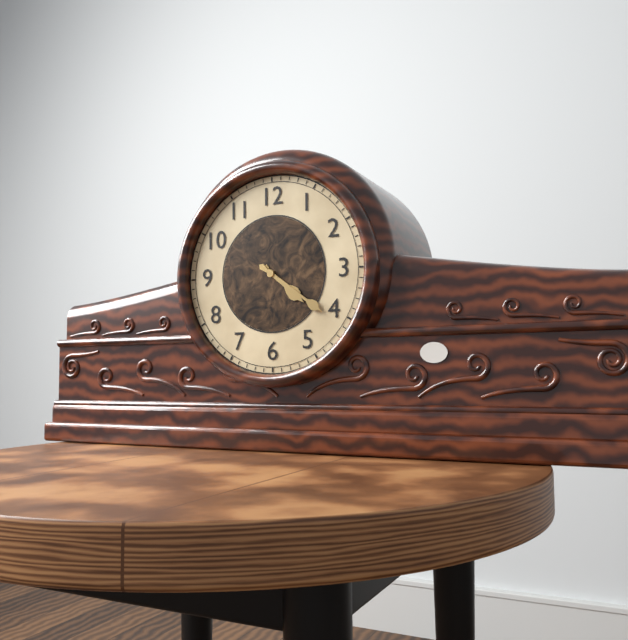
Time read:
4.21
